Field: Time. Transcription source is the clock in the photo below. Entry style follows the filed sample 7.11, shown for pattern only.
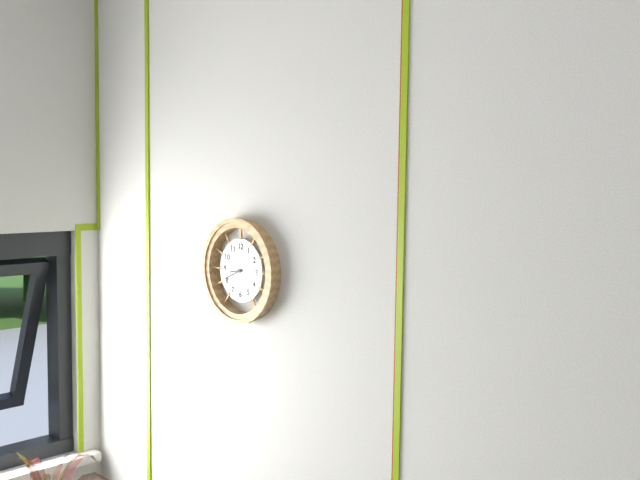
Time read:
8.41
